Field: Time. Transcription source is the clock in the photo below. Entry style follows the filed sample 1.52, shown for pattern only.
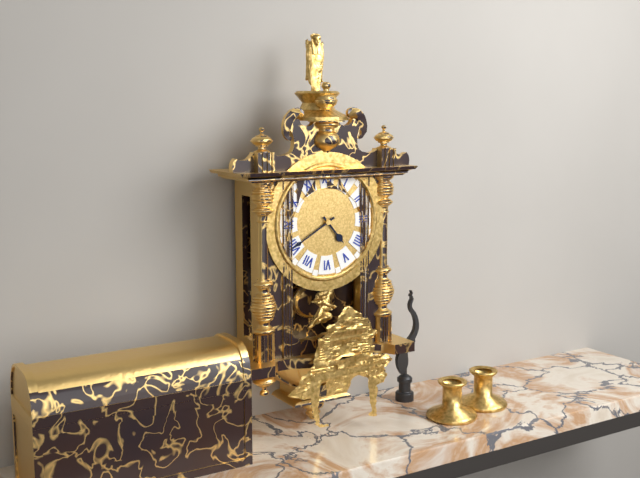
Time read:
4.40
